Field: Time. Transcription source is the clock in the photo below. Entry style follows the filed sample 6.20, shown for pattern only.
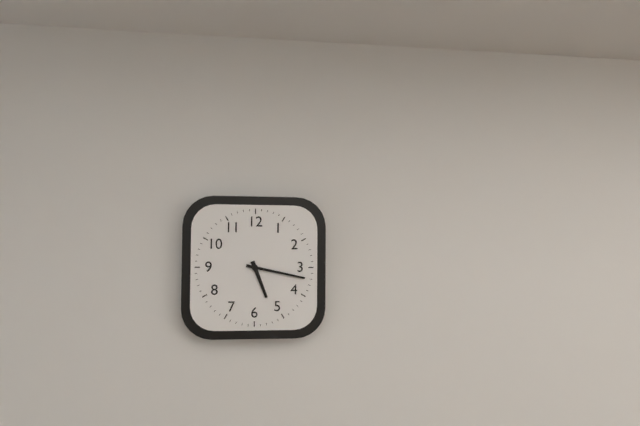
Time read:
5.17
